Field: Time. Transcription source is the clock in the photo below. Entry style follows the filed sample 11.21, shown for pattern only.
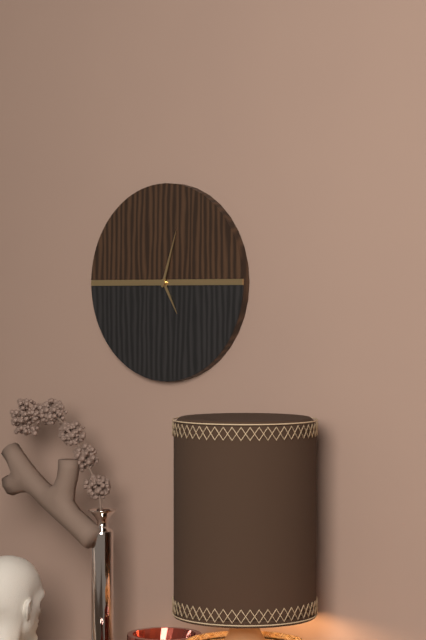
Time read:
5.03
